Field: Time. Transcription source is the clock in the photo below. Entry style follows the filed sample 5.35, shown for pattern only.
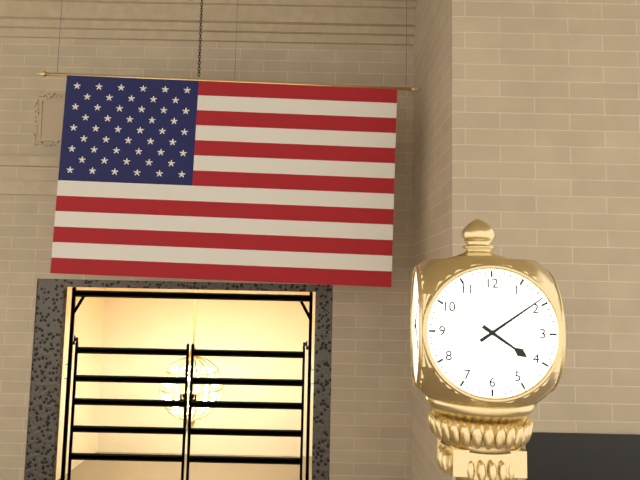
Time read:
4.09
